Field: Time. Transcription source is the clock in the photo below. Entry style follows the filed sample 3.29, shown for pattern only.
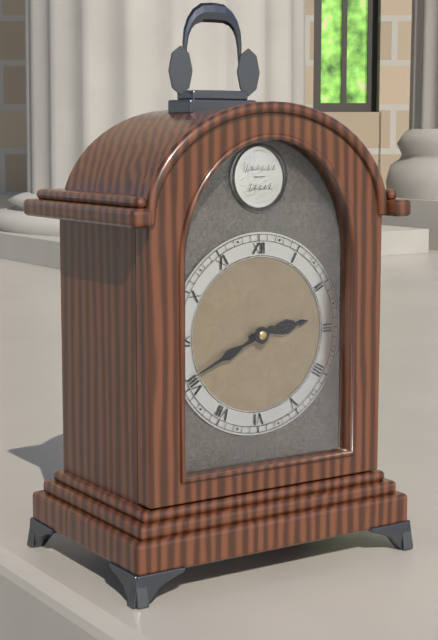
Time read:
2.41
